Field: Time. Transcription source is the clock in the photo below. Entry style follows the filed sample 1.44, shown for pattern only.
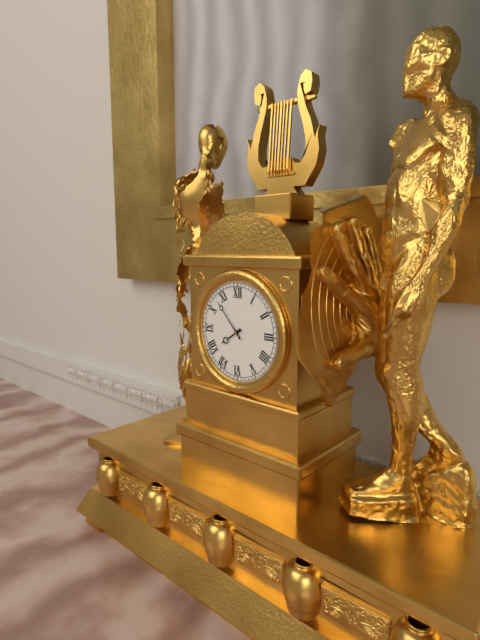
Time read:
7.53
